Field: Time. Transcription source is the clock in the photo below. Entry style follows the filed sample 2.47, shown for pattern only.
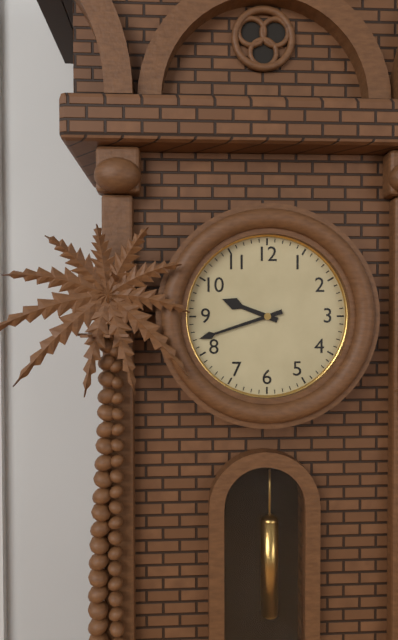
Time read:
9.42
